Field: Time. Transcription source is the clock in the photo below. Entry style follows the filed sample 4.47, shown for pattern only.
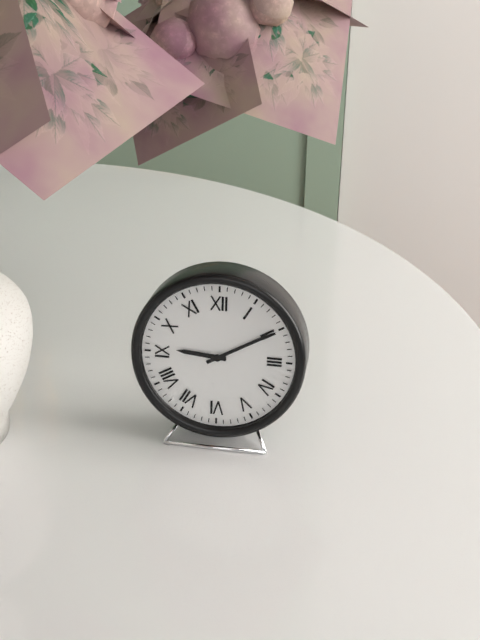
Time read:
9.10
